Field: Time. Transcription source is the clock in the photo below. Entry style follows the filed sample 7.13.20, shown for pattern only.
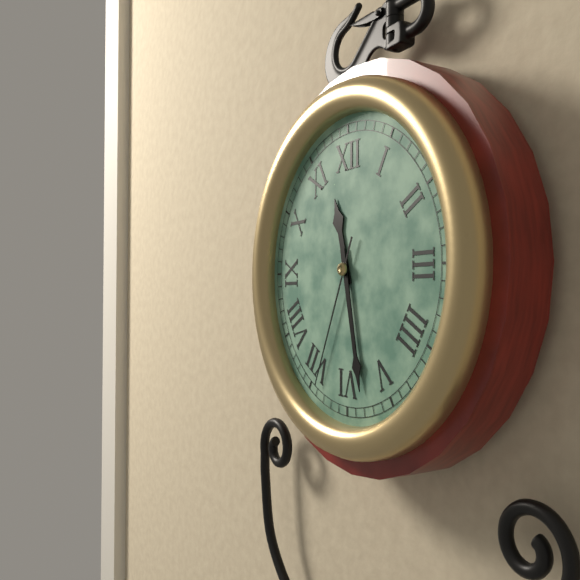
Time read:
11.28.34
